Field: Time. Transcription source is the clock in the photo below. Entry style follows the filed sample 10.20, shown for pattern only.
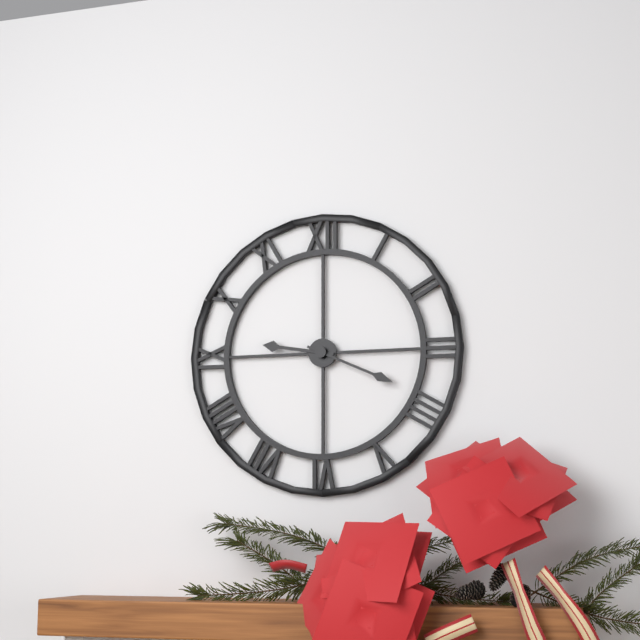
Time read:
9.19
